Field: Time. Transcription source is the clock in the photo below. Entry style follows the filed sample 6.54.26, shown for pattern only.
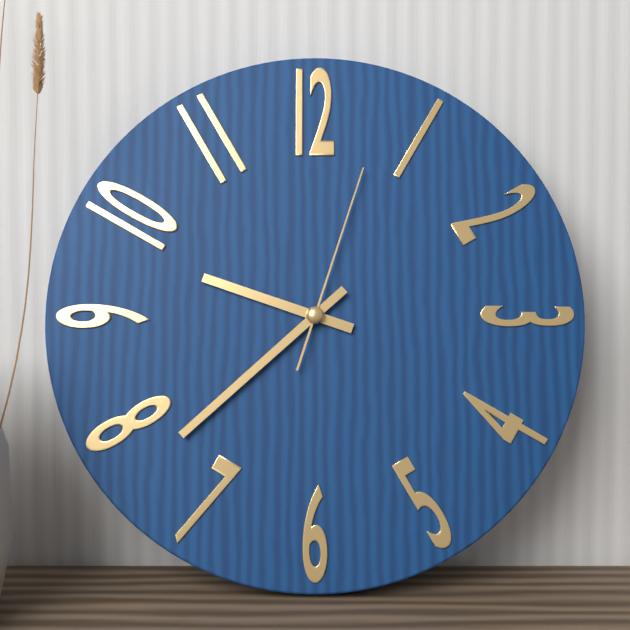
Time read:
9.38.03
